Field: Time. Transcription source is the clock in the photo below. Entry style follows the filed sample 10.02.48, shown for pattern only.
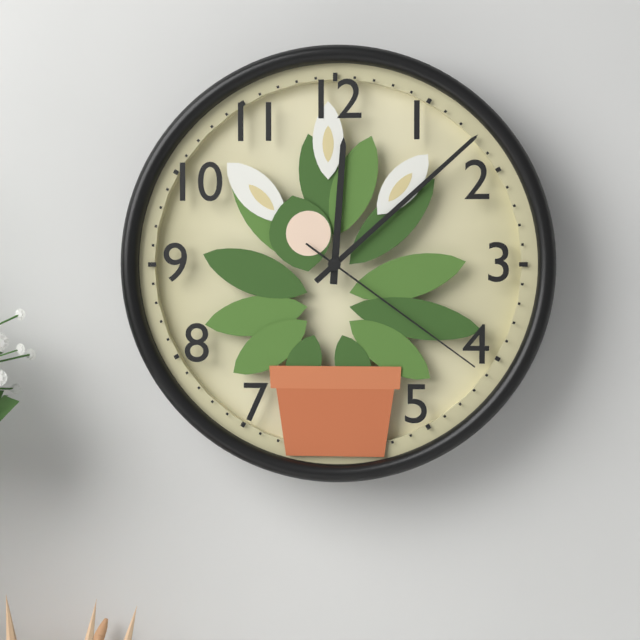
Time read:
12.08.21
